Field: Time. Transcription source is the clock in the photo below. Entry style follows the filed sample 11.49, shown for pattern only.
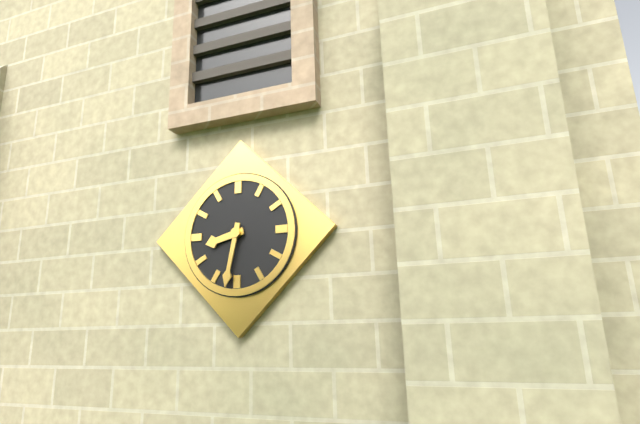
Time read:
8.32
